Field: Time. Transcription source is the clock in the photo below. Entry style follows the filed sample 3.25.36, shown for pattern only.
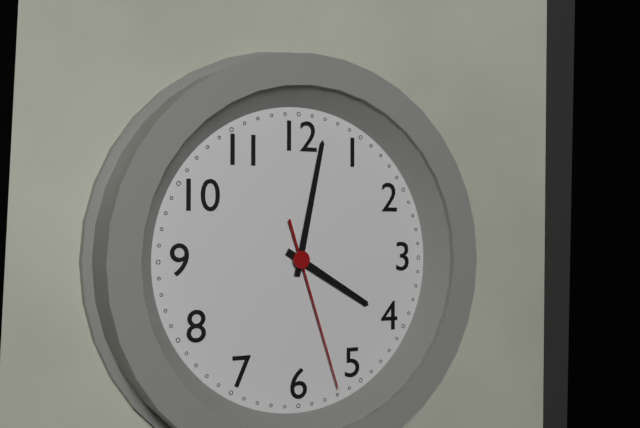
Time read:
4.02.27
